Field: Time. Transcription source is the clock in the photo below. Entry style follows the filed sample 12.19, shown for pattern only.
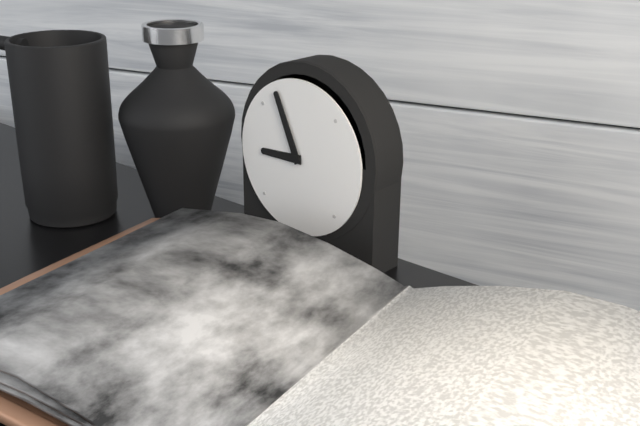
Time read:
8.56
